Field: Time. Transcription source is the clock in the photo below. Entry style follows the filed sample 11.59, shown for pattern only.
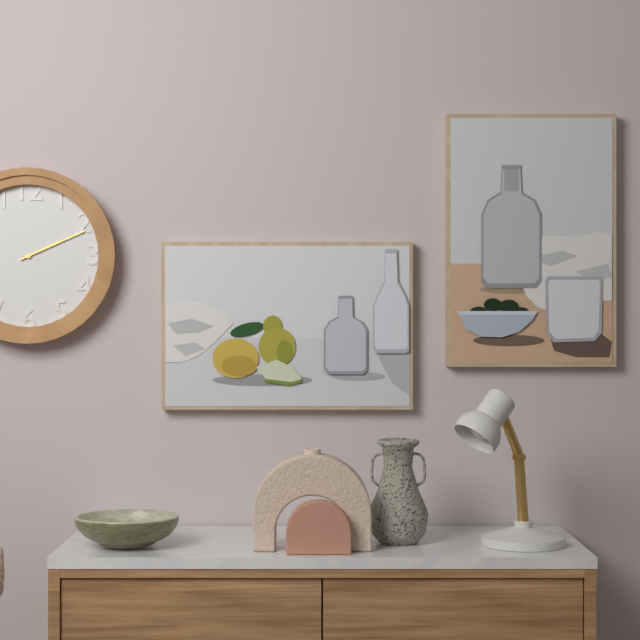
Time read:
2.11
